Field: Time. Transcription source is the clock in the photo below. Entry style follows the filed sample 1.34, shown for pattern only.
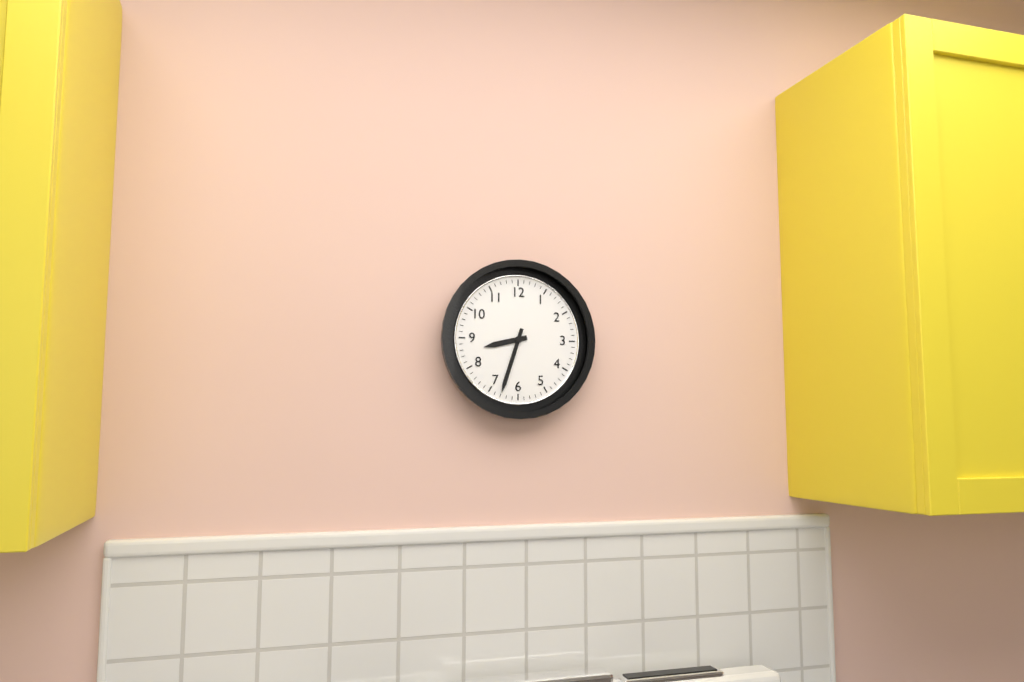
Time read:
8.33
